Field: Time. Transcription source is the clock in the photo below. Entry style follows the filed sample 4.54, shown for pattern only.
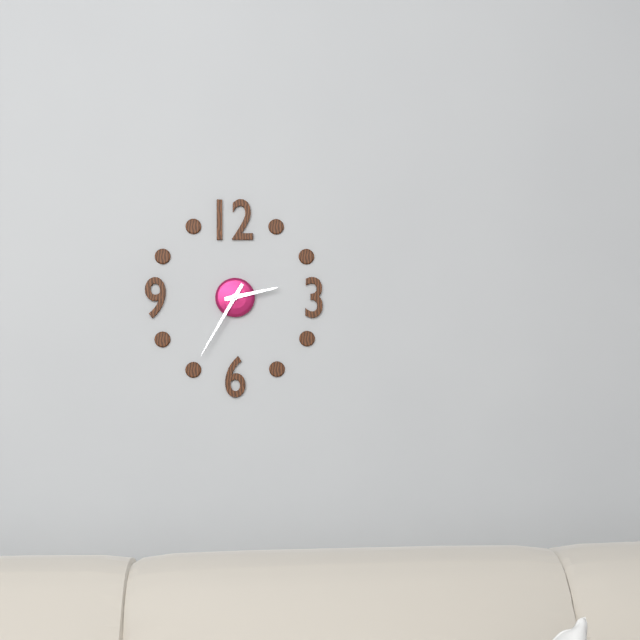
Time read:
2.35
